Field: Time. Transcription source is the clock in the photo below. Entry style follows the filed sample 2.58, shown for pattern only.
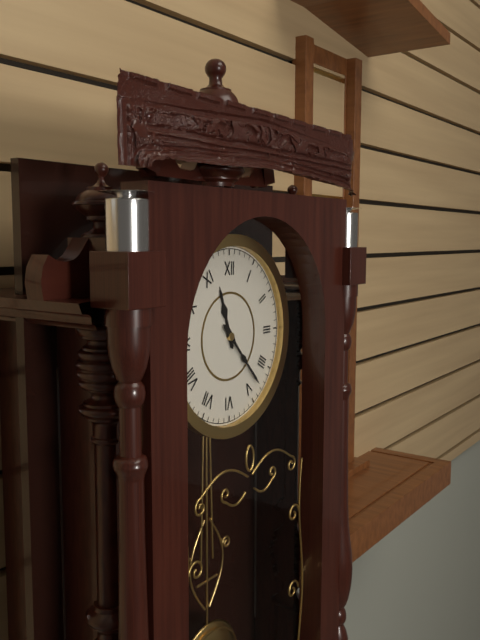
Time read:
11.23
